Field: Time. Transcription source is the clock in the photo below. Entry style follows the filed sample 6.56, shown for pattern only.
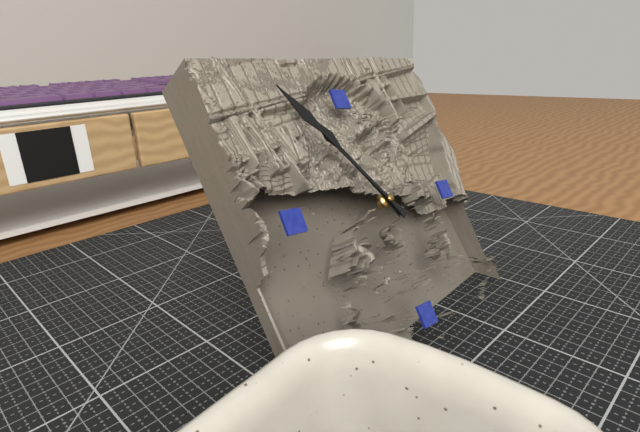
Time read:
10.54
